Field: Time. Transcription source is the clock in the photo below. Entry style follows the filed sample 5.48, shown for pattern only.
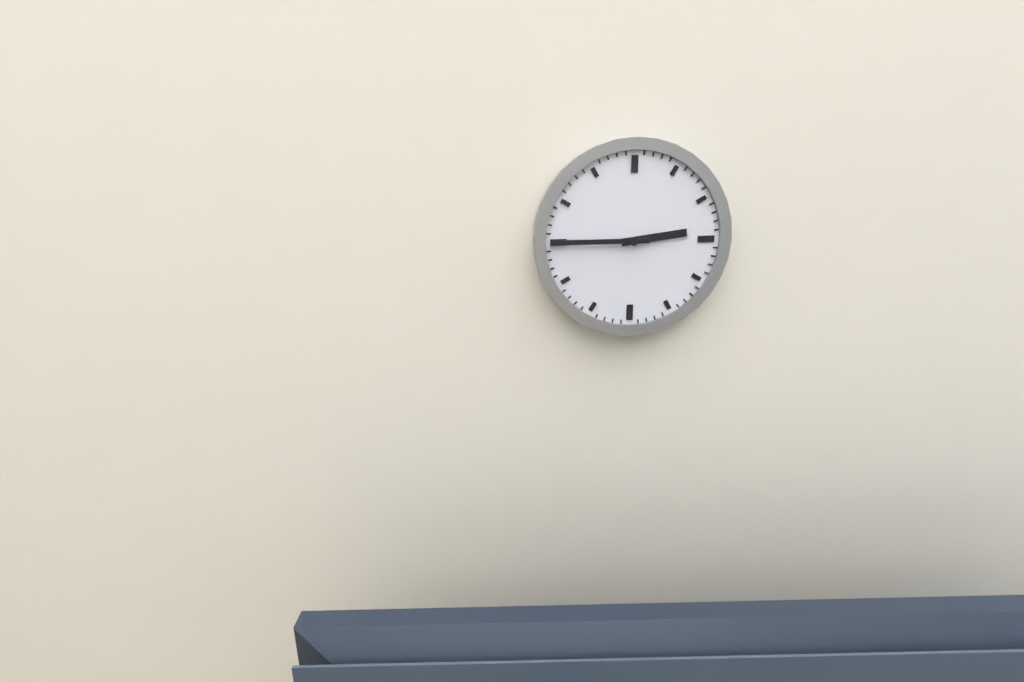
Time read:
2.45
